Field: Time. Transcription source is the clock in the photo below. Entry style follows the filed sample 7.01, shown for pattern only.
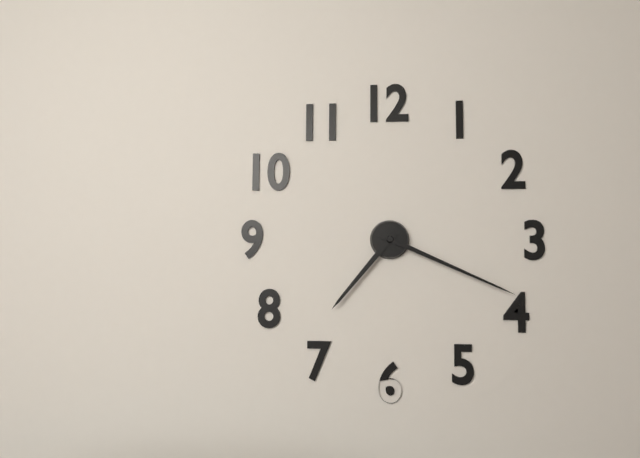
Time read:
7.19
